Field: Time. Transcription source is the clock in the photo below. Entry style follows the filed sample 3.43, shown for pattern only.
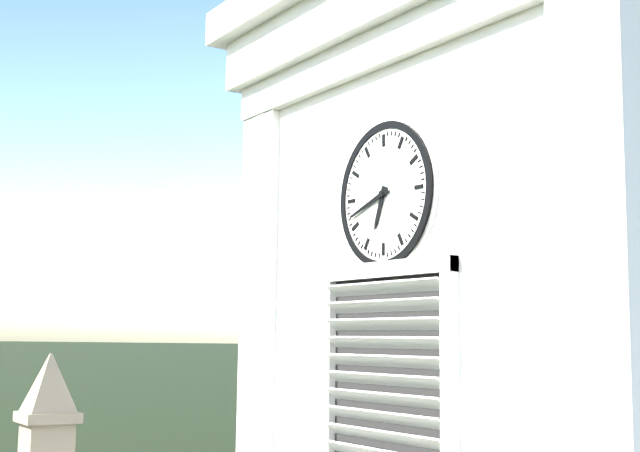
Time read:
6.42
